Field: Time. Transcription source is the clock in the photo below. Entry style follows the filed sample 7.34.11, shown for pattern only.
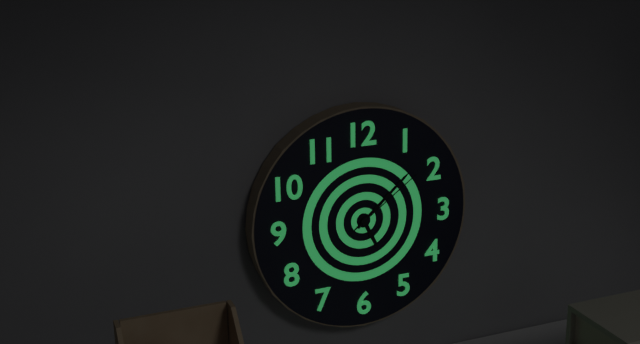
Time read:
5.08.09
